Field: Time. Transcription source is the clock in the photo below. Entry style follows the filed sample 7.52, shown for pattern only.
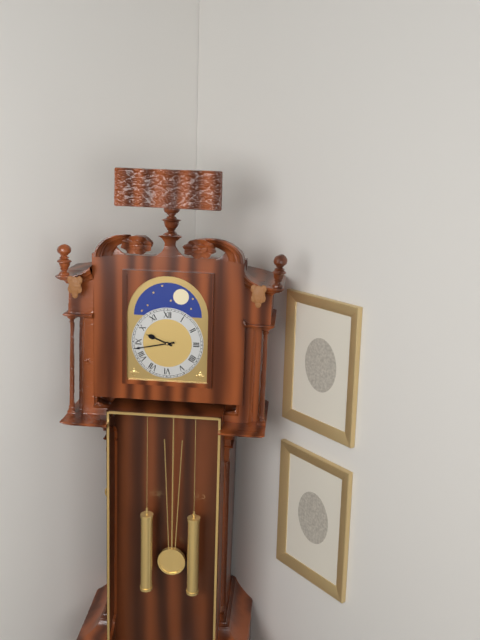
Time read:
9.43
